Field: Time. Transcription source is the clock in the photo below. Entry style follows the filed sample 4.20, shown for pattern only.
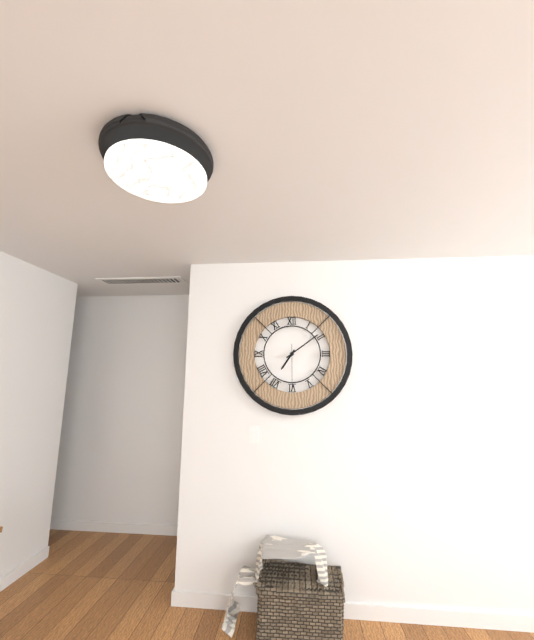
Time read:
7.09
